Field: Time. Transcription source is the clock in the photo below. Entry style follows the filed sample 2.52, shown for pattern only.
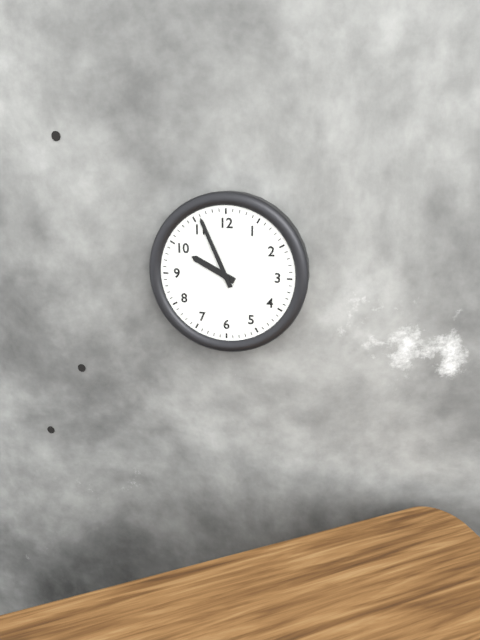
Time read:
9.56
